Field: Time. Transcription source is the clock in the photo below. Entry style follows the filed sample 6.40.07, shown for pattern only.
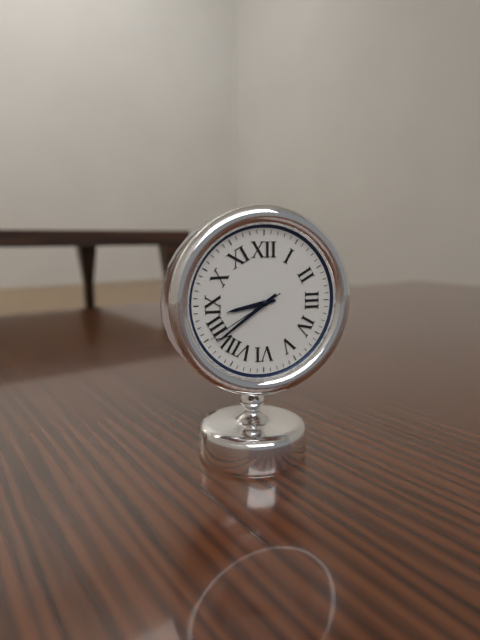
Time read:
8.39.40
